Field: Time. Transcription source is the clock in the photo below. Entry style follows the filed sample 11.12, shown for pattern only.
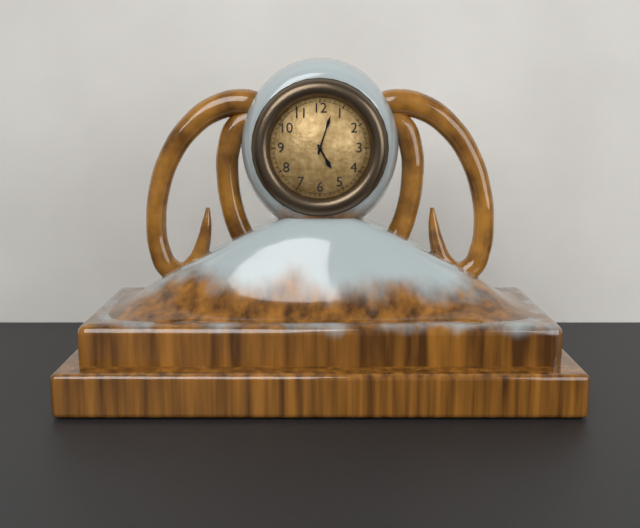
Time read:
5.03
